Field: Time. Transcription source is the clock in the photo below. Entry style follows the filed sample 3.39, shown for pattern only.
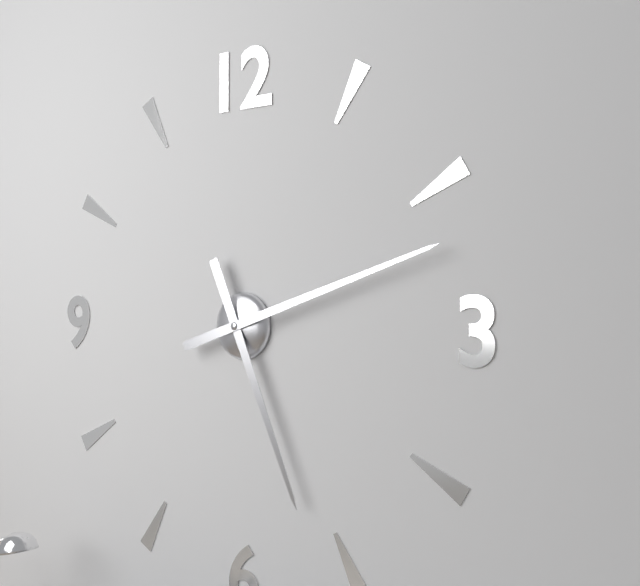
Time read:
5.12
